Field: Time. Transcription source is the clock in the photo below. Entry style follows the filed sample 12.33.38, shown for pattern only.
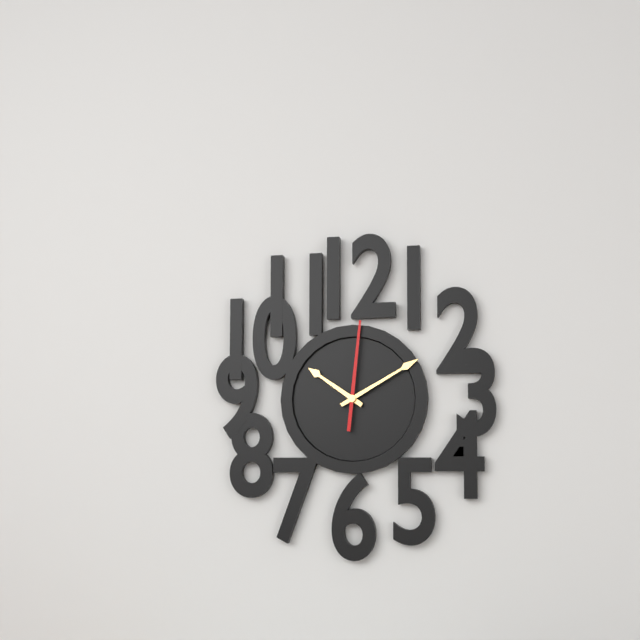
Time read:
10.10.01
